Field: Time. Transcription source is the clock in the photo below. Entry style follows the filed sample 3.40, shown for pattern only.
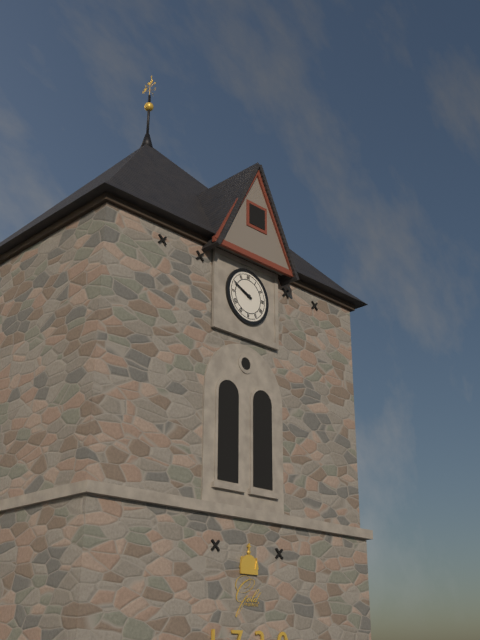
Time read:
9.49
